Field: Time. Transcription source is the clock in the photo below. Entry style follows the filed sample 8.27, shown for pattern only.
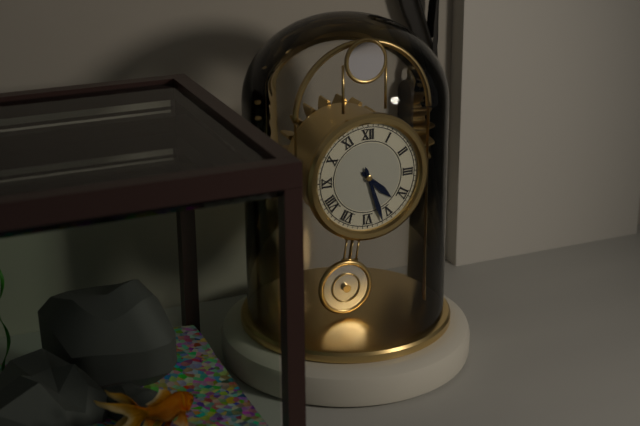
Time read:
4.27
